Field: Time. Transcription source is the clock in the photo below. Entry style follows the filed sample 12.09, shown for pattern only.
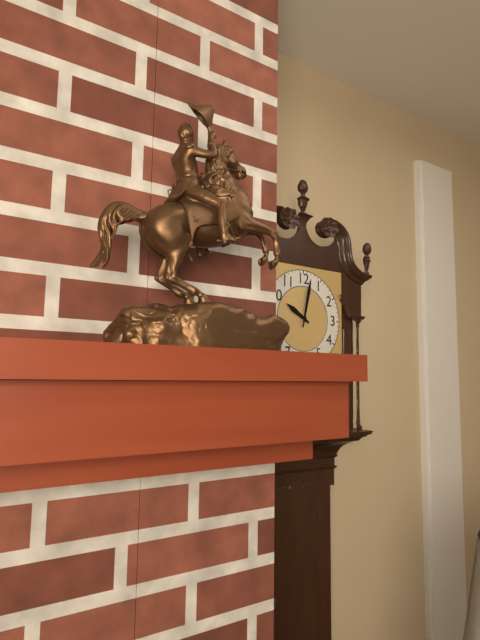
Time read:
10.02
